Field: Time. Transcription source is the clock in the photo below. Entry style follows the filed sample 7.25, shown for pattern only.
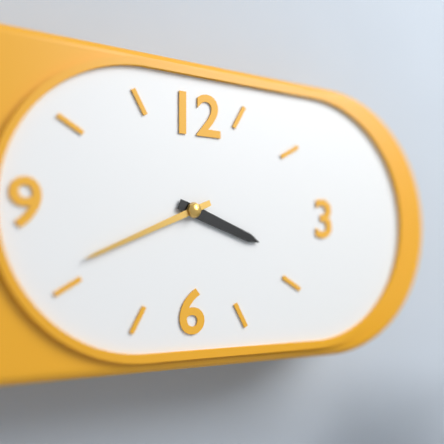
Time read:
3.41
